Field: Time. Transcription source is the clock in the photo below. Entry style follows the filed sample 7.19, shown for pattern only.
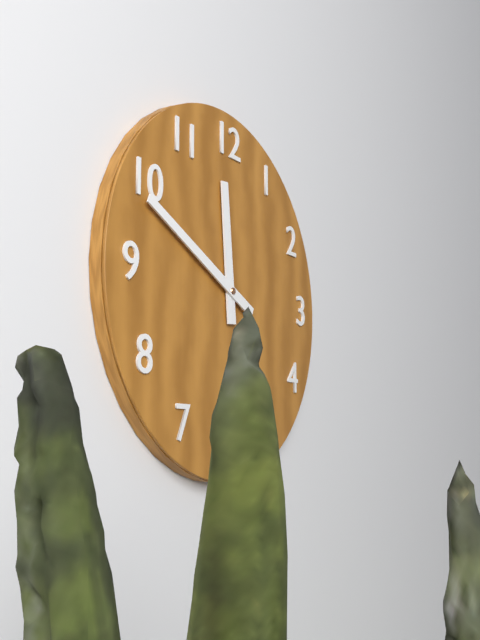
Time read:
11.49
